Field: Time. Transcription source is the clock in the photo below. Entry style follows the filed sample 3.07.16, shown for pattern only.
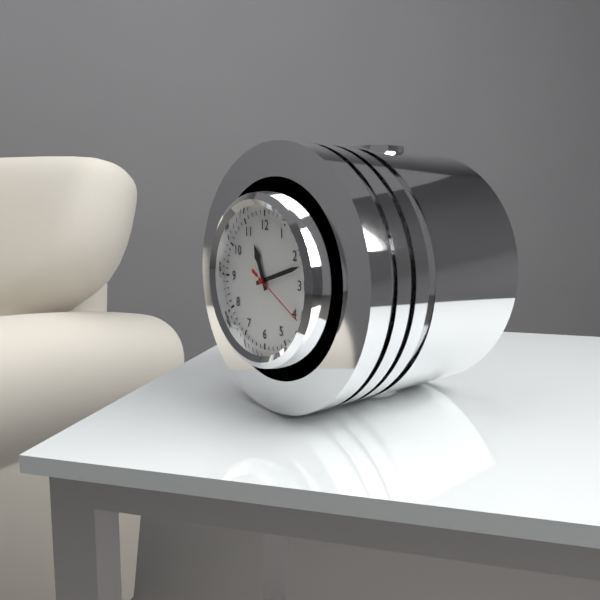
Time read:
11.12.20
